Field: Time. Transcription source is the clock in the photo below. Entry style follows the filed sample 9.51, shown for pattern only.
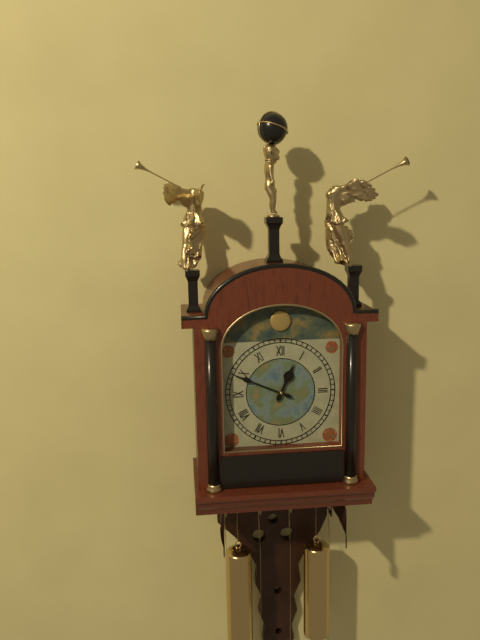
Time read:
12.49
